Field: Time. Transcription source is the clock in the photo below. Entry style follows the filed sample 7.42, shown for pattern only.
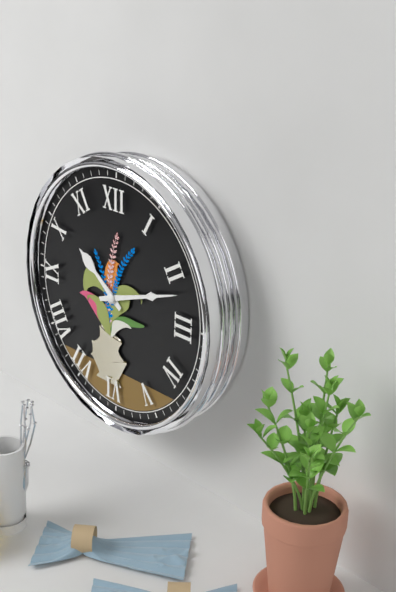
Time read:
10.12
